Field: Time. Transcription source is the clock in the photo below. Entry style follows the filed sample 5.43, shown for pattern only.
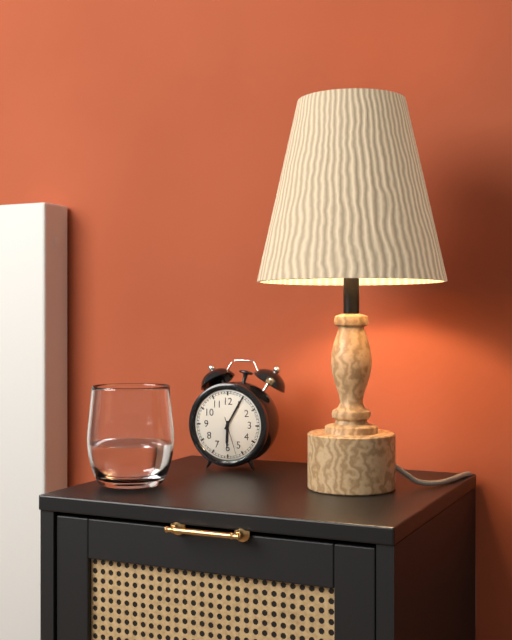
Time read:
6.05
